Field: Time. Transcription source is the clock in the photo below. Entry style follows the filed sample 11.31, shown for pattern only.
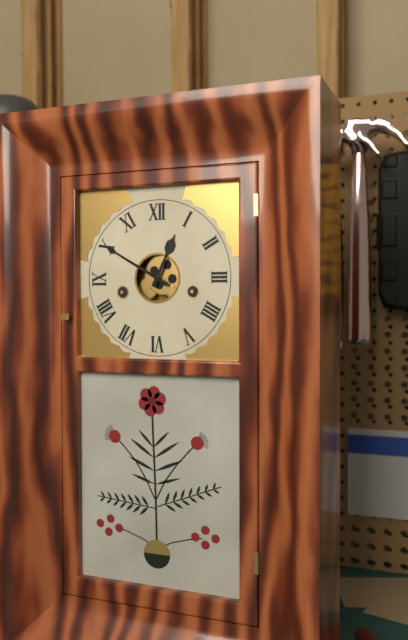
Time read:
12.50
